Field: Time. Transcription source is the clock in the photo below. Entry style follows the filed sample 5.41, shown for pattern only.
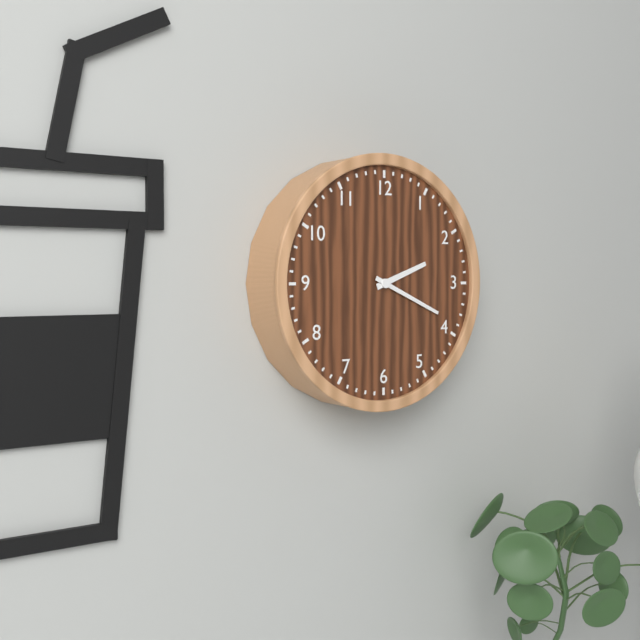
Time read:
2.19
